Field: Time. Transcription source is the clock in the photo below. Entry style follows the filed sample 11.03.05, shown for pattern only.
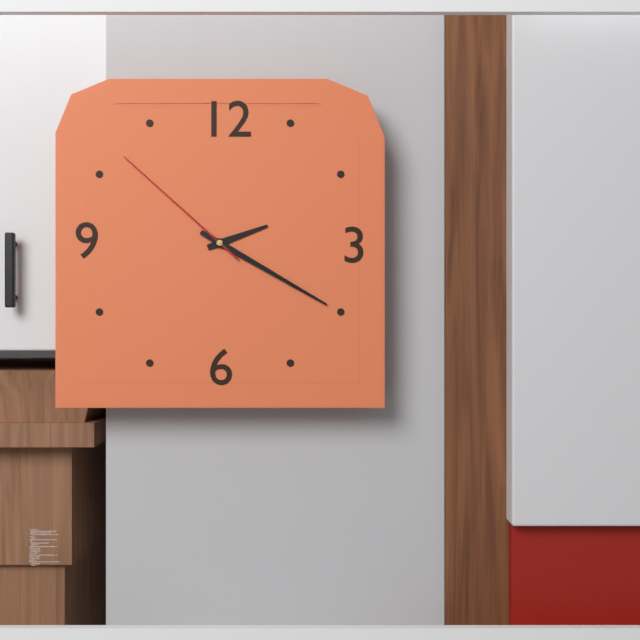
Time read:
2.20.52
